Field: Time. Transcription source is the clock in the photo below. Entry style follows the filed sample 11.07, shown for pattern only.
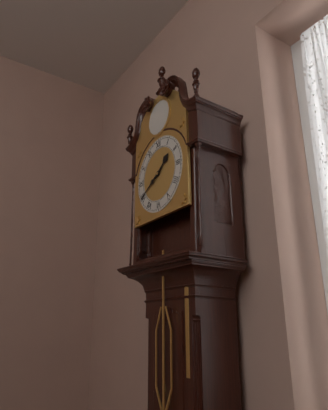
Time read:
1.40
